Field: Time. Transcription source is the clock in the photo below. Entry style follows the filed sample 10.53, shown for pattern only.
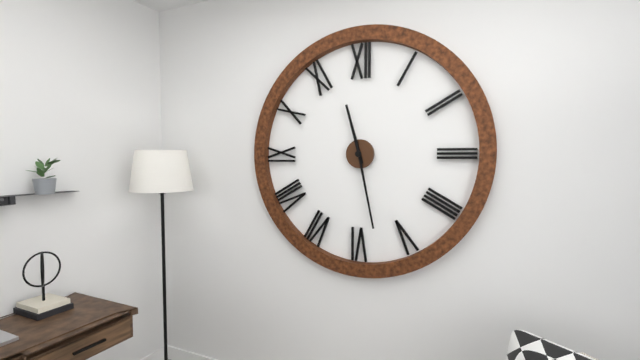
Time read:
11.28
